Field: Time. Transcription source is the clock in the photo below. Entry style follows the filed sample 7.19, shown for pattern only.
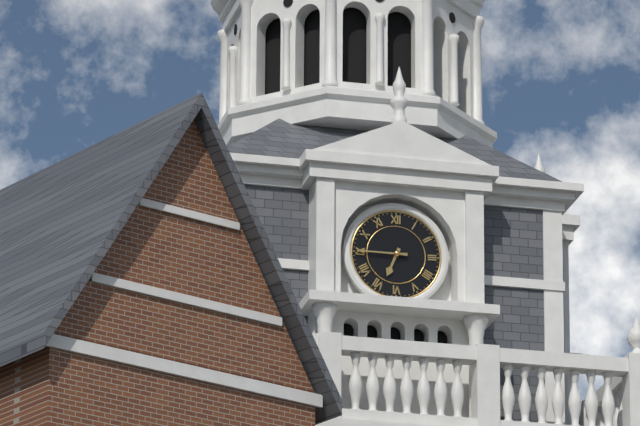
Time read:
6.45
